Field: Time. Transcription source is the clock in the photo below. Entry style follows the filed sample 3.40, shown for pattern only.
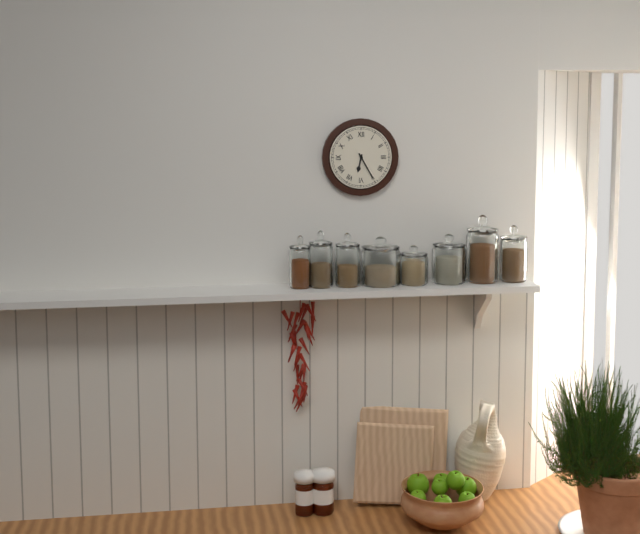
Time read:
6.25
